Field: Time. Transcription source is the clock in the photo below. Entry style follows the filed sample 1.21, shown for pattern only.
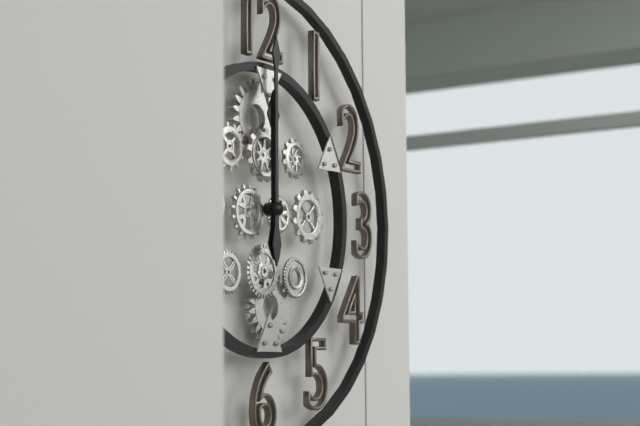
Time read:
12.00
